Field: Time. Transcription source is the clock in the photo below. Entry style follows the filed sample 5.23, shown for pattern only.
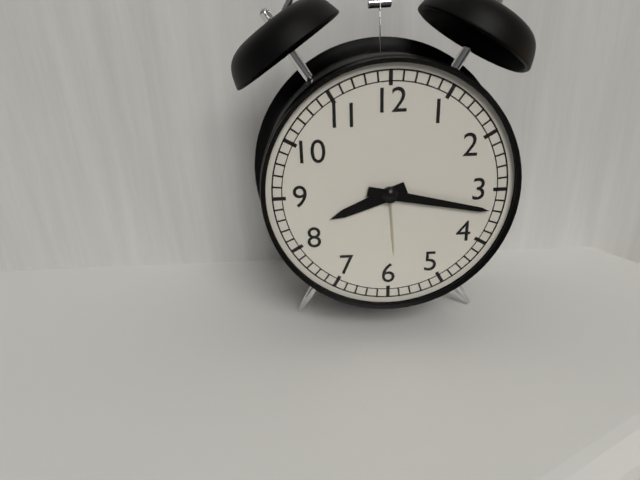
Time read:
8.17
